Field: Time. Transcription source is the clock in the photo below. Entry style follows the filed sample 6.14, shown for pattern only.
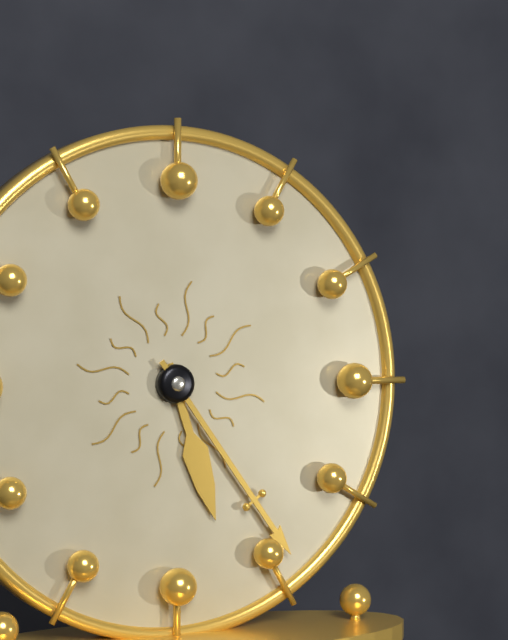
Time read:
5.24
